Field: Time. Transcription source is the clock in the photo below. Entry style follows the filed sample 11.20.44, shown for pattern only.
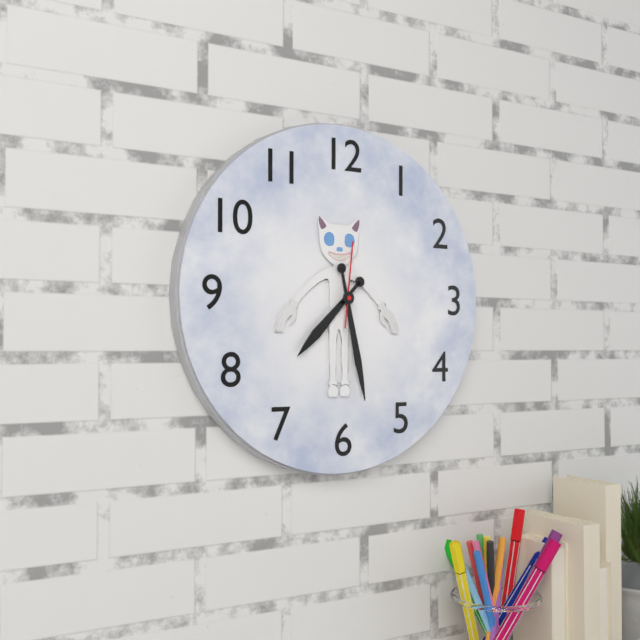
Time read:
7.28.01
